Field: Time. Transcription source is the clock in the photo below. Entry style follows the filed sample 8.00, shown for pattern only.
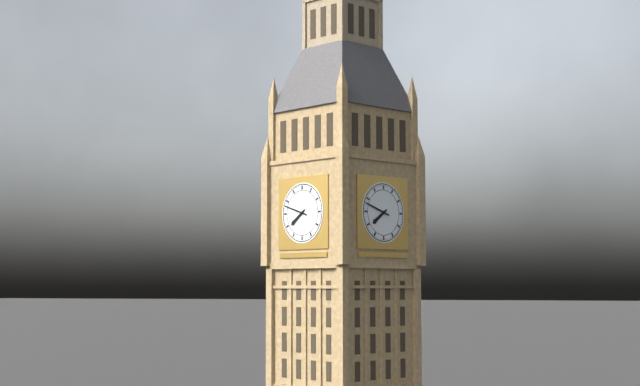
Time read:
7.48
